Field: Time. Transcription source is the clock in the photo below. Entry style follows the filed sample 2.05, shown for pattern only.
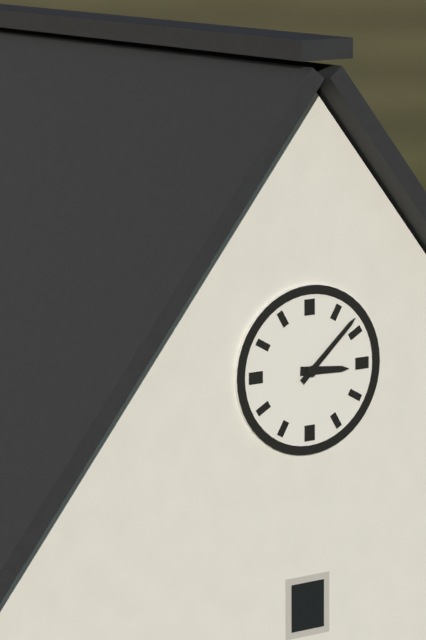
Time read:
3.08
